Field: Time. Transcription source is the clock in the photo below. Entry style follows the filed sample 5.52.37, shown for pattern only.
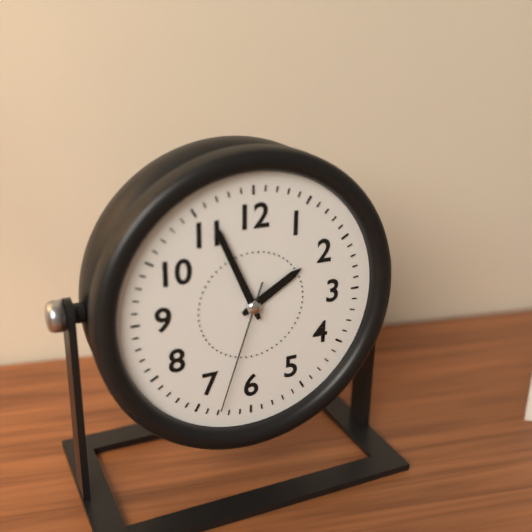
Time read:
1.56.33
